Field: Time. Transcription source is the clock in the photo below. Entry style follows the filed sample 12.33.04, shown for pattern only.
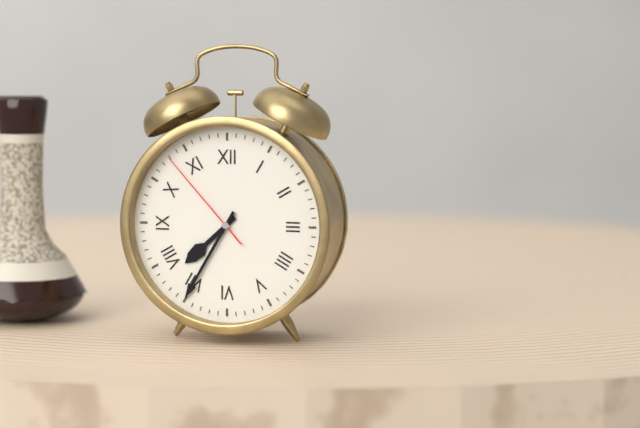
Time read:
7.35.53
